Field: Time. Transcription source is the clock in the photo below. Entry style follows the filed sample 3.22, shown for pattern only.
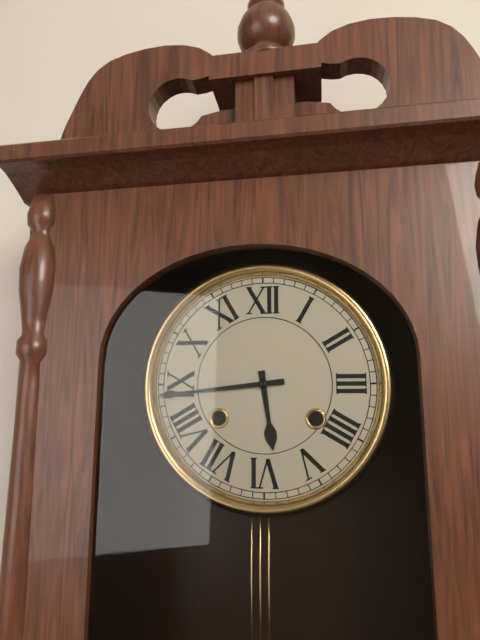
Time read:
5.44
